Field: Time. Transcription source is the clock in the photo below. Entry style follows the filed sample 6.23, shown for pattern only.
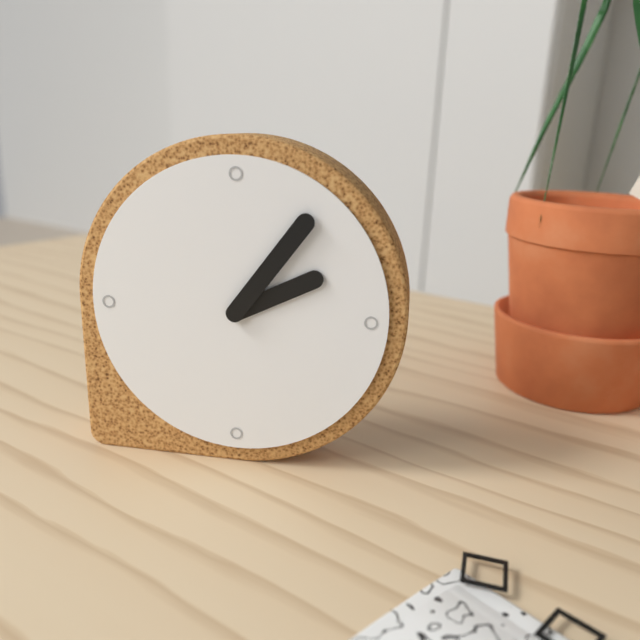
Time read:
2.06
